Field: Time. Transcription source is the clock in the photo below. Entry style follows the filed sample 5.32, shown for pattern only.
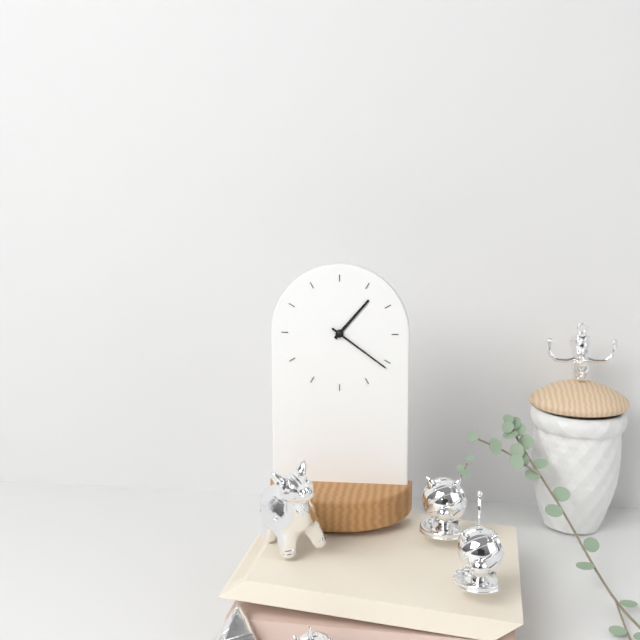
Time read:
1.21
